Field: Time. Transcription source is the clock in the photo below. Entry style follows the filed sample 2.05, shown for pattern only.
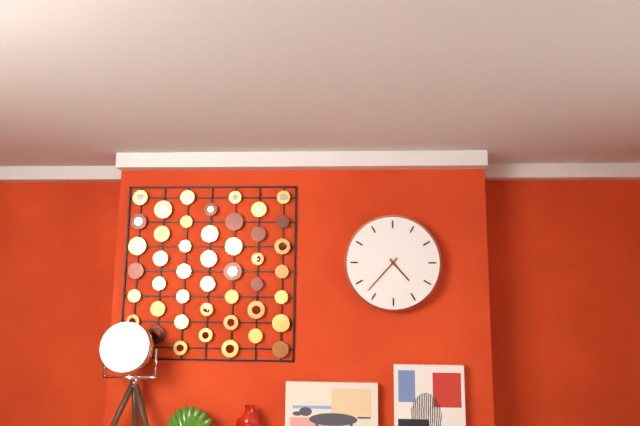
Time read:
4.37
